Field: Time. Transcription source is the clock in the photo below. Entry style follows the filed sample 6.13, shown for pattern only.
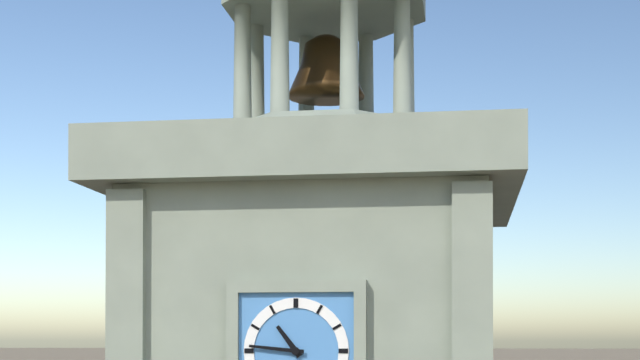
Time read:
10.46
